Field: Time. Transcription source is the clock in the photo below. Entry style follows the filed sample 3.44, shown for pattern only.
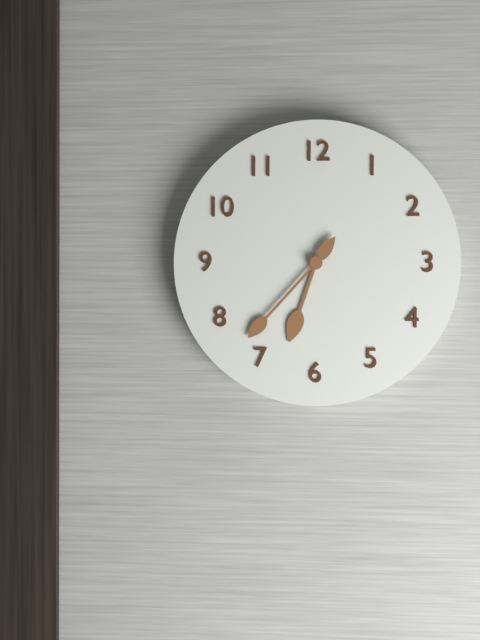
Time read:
6.37
